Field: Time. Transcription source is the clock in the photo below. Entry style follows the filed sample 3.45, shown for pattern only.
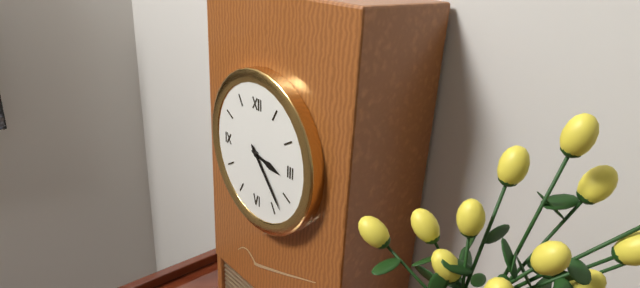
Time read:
3.23
